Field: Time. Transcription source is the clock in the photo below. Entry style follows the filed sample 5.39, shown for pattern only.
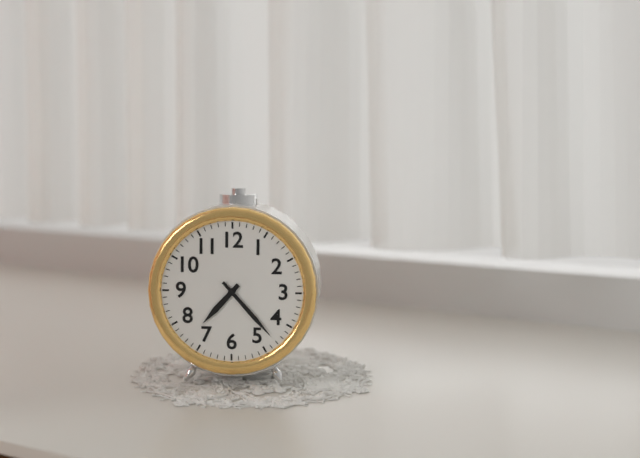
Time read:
7.23
